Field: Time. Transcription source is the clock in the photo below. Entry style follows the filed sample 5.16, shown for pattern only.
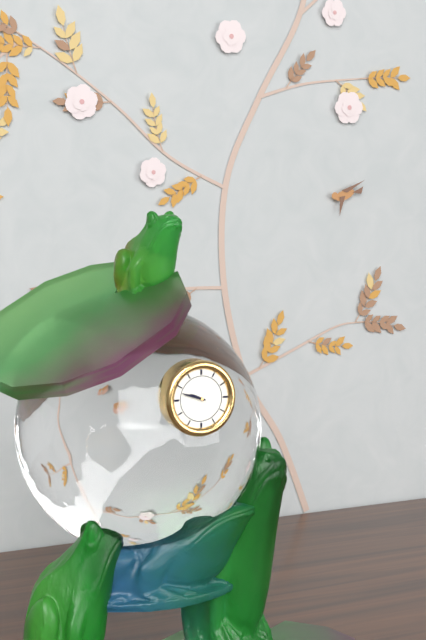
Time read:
9.48
